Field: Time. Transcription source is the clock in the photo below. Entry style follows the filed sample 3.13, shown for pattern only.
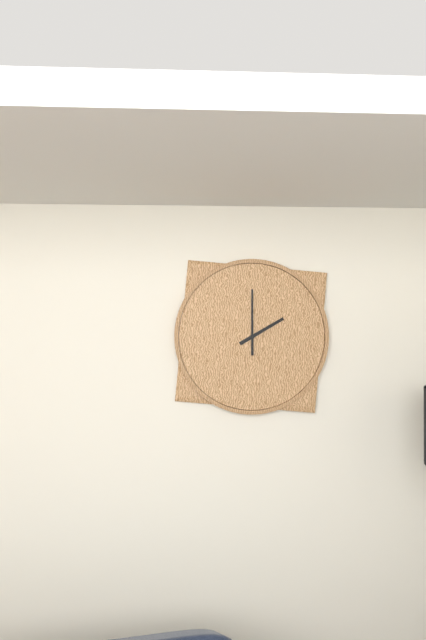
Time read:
2.00
